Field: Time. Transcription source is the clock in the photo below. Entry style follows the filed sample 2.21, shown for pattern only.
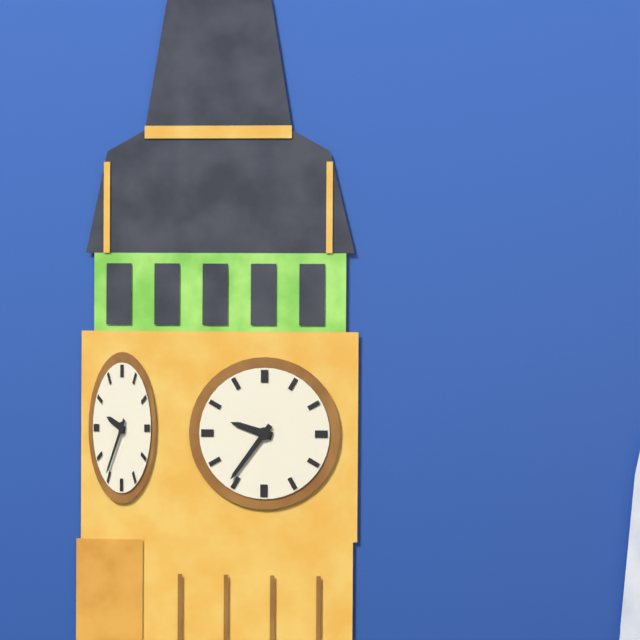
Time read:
9.36
